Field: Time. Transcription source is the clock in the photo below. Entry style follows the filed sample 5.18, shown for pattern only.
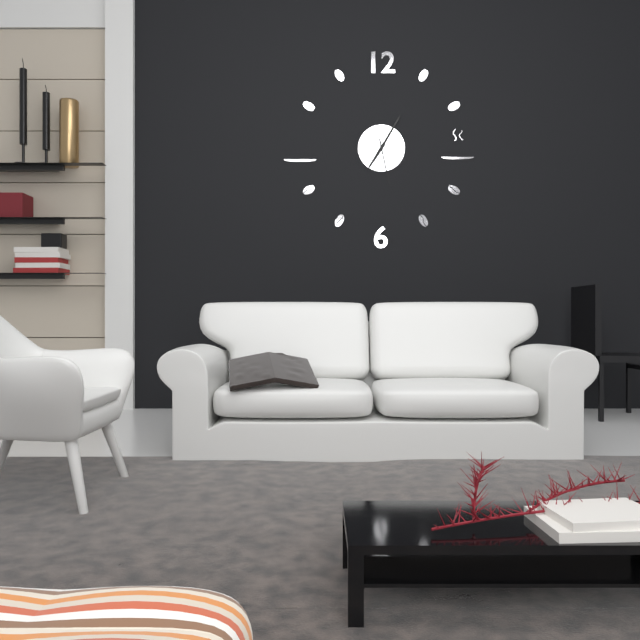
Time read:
7.05
